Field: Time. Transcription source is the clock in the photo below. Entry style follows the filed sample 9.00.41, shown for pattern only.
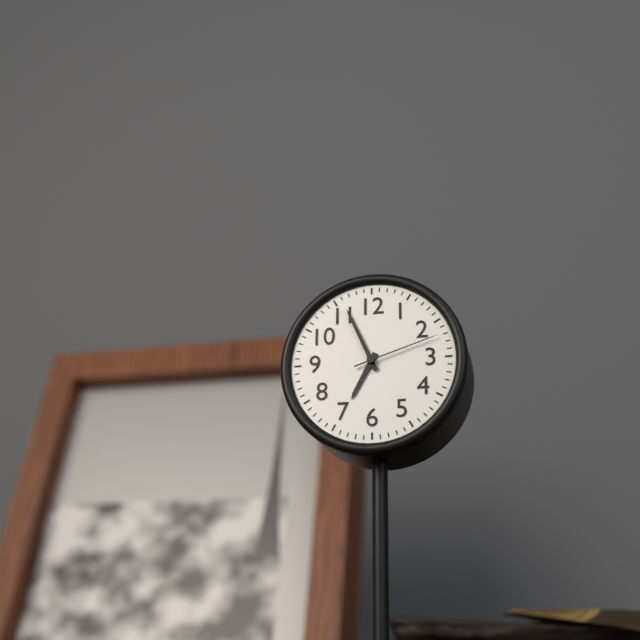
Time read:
6.56.12
